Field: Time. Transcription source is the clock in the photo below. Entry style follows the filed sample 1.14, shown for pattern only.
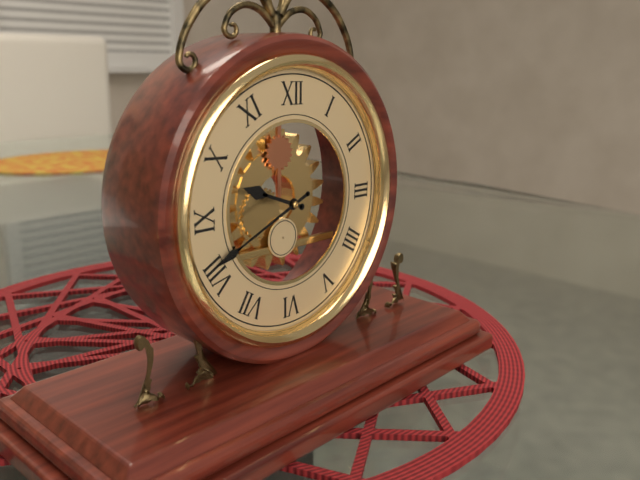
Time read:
9.41
